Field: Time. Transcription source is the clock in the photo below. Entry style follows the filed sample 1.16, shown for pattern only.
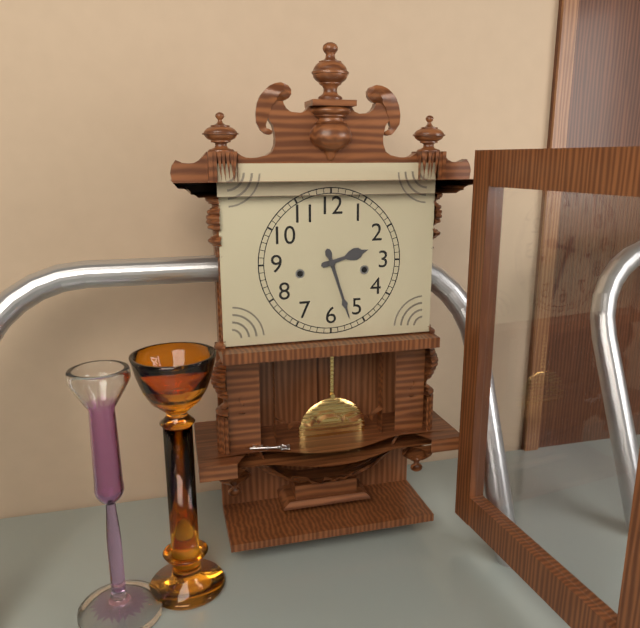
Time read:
2.27
